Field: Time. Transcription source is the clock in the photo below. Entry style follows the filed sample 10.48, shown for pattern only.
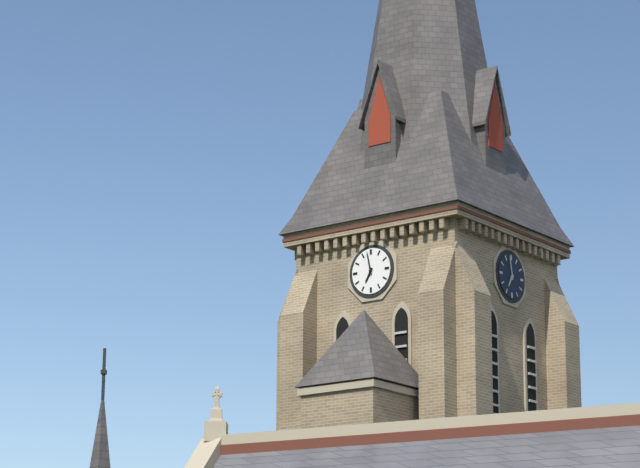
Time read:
6.58
